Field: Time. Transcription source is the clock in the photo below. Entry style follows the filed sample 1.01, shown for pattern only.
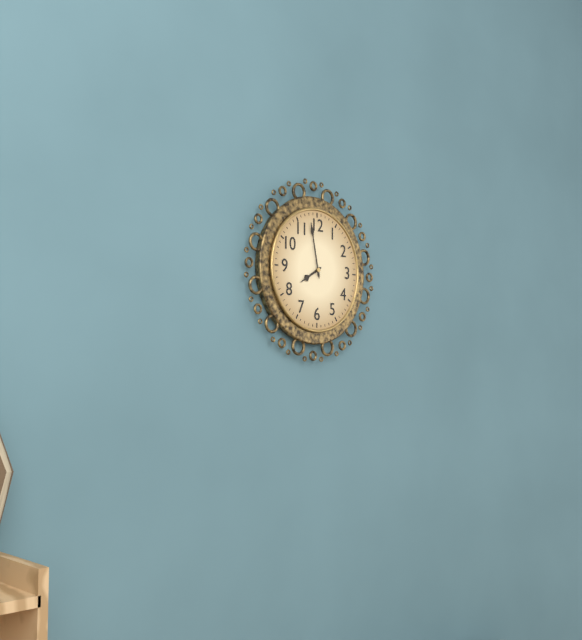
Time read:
7.58
